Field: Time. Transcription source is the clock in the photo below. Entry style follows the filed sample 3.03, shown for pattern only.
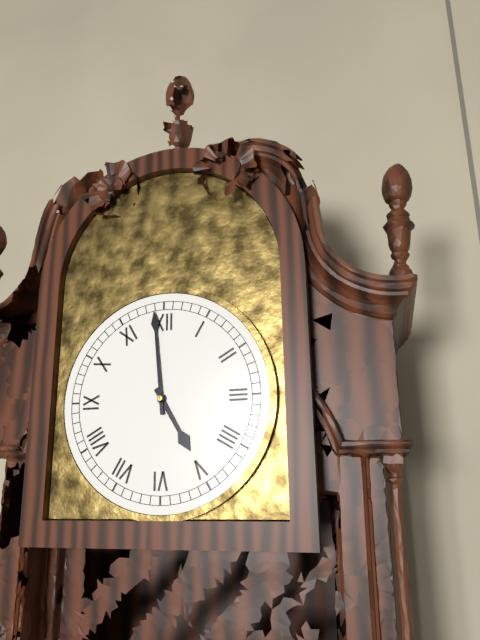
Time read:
4.59
